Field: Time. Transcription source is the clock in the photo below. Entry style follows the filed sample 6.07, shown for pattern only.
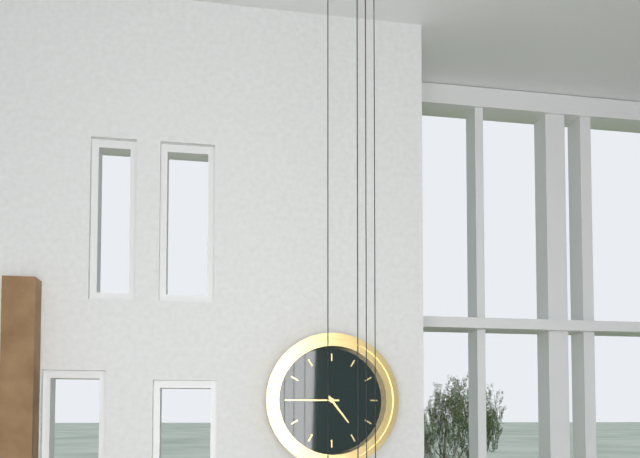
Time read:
4.45
